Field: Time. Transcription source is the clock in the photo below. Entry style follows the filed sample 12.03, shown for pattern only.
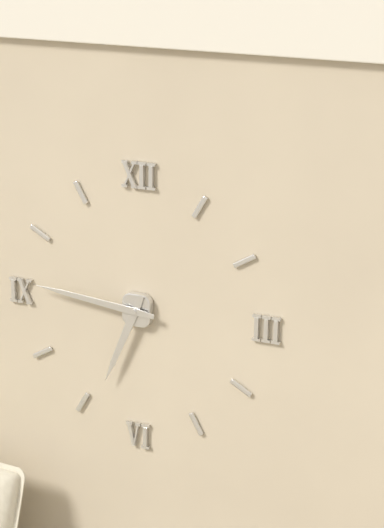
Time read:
6.46
